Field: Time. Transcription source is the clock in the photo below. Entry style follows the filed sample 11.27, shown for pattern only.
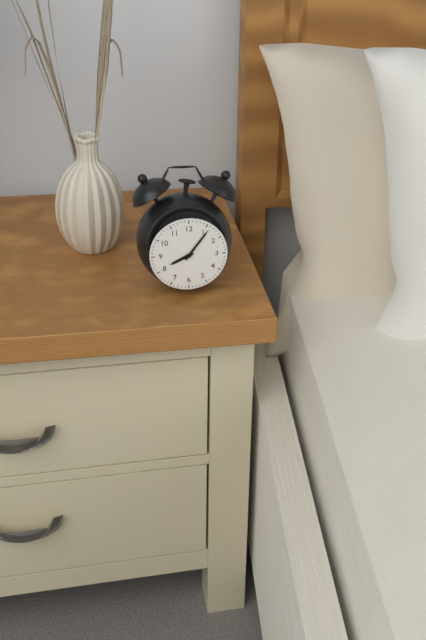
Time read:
8.06
